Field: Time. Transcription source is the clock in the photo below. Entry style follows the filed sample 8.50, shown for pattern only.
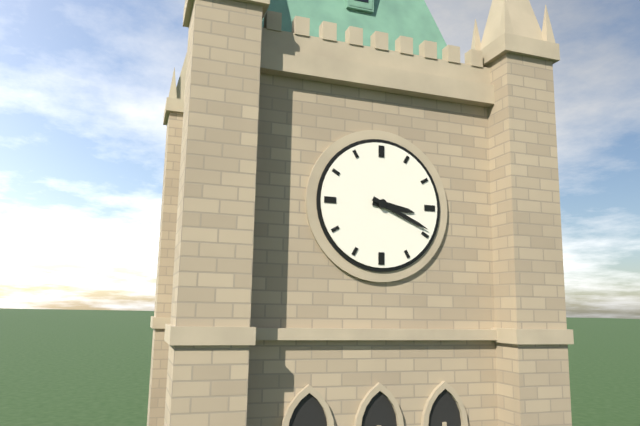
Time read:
3.19
